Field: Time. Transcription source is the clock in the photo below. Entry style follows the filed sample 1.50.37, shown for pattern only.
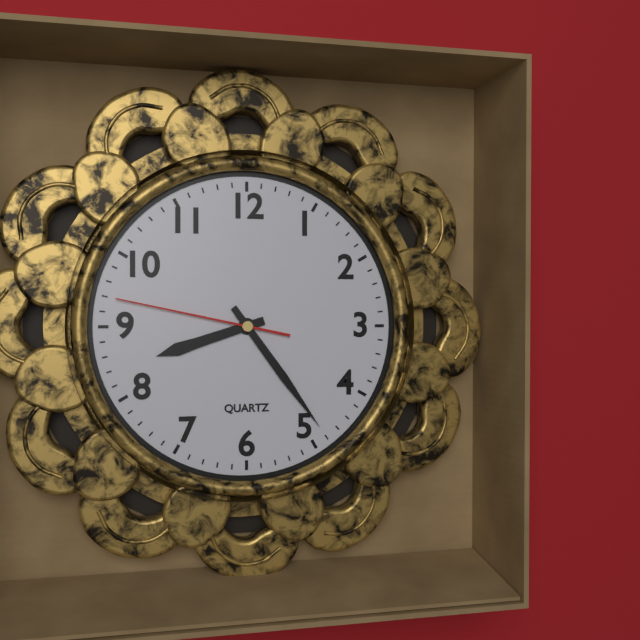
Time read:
8.24.47
